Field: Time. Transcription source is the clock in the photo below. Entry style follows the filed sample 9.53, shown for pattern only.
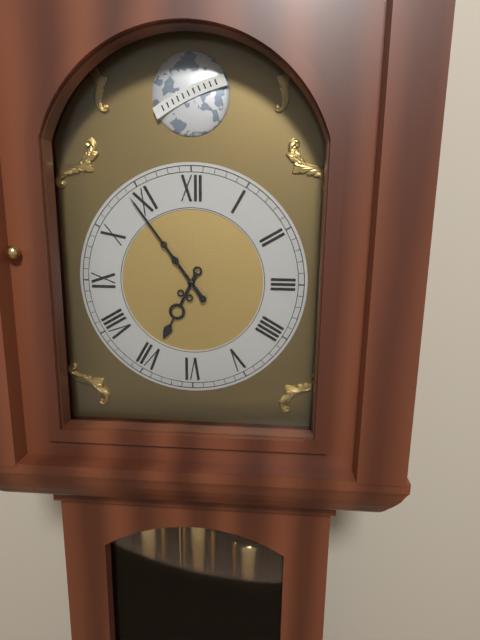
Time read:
6.54
